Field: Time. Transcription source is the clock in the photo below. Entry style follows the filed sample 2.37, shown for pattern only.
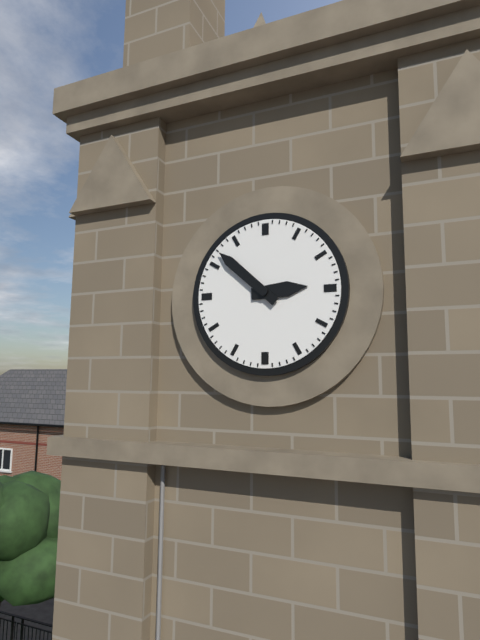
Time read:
2.52
